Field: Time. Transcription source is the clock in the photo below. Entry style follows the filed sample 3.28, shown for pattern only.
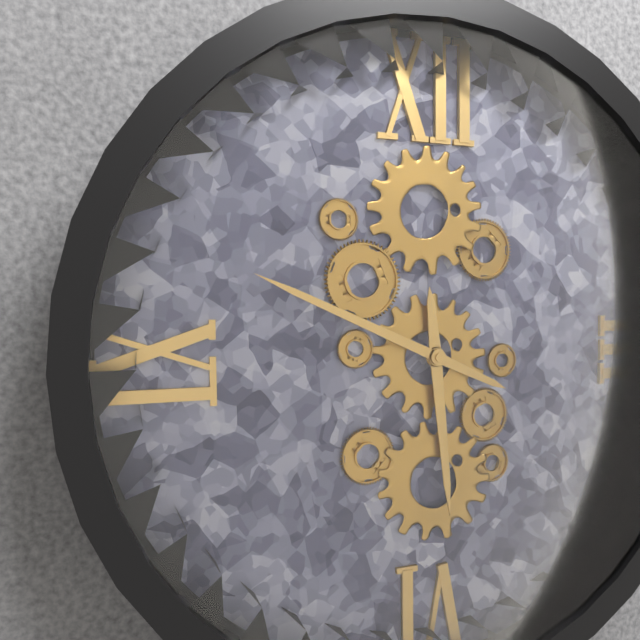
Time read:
5.49
